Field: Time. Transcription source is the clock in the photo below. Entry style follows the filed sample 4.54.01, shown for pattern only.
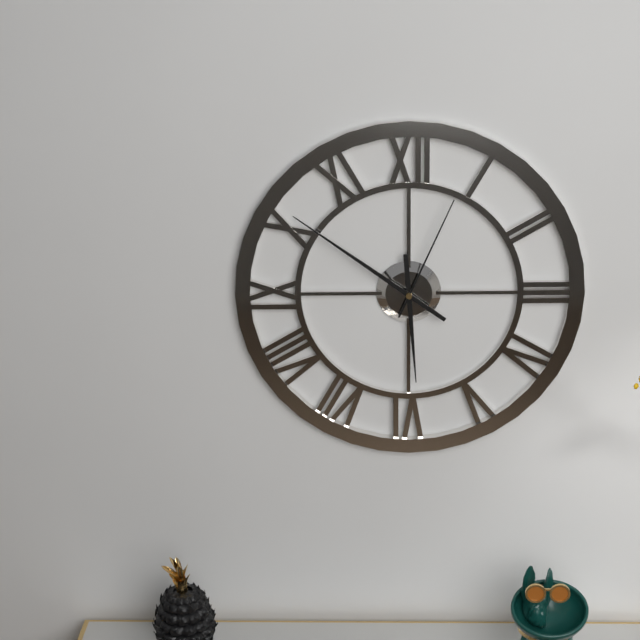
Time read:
5.51.04
